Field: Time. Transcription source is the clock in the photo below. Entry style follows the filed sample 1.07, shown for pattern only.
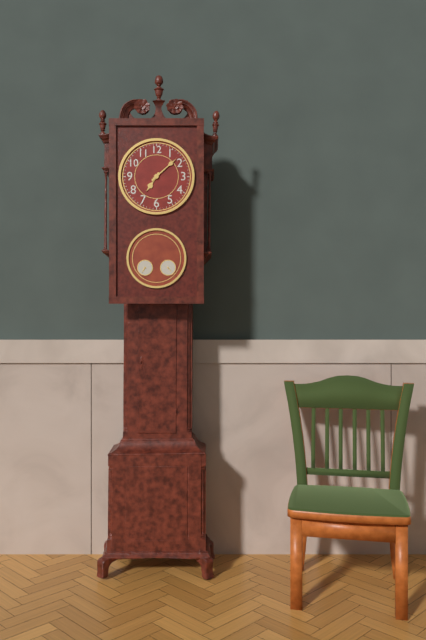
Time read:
7.08
